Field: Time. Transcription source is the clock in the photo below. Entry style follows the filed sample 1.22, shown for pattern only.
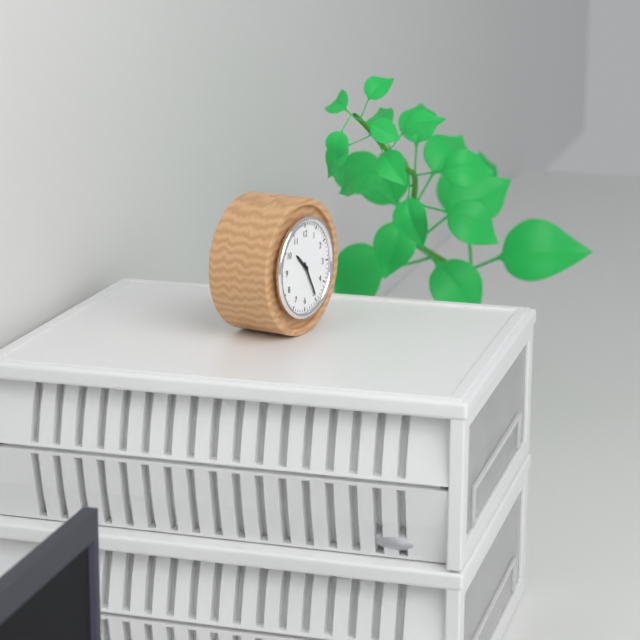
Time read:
10.25
